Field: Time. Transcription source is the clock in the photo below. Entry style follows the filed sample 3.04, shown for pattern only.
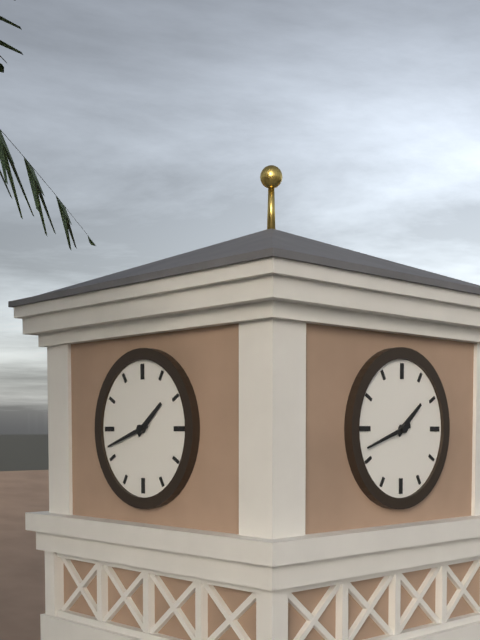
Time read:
1.42
